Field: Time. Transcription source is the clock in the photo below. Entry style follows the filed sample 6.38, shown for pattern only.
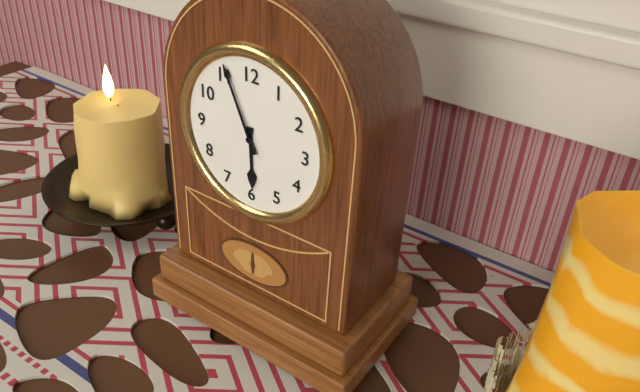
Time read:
5.56
